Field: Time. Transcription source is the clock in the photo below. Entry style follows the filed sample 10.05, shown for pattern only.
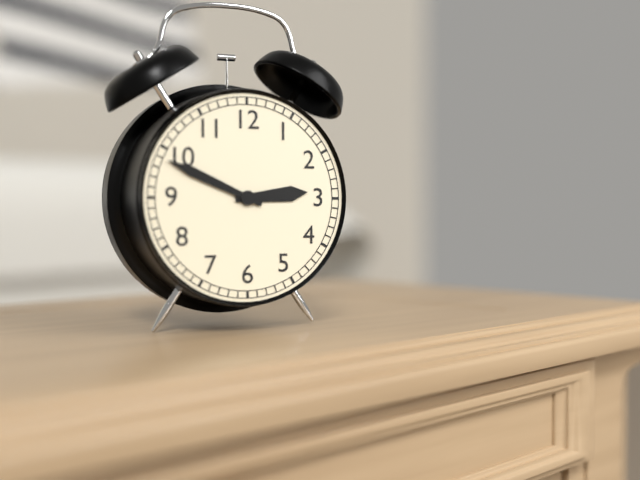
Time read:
2.49
